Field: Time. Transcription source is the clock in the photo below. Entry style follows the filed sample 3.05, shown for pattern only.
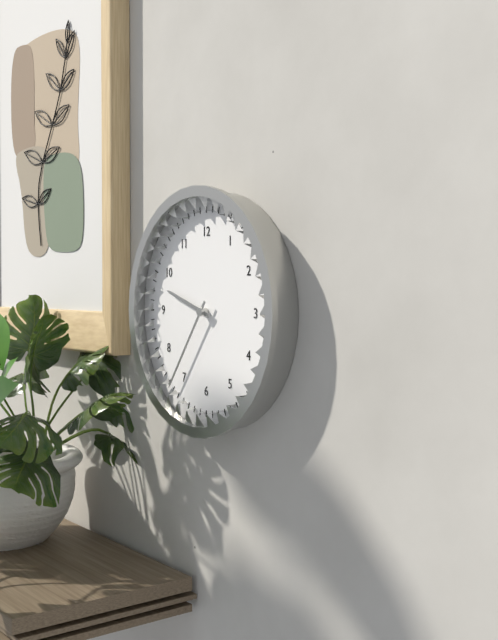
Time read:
9.36
